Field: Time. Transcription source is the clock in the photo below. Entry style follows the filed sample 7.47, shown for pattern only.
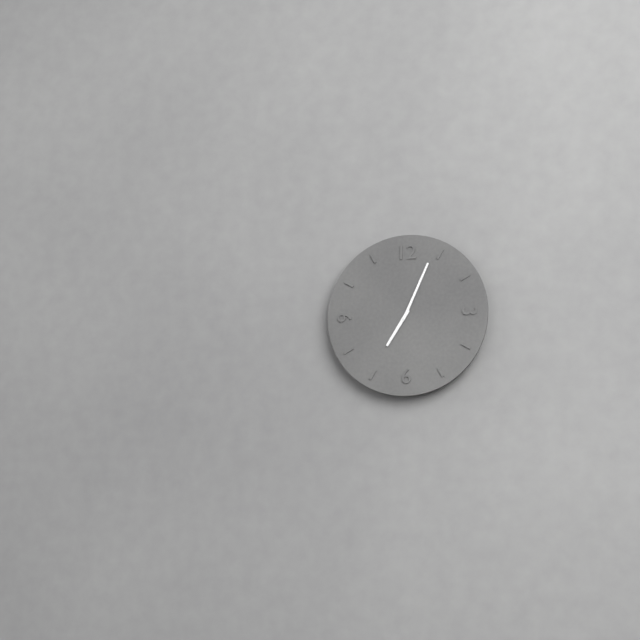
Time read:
7.04
